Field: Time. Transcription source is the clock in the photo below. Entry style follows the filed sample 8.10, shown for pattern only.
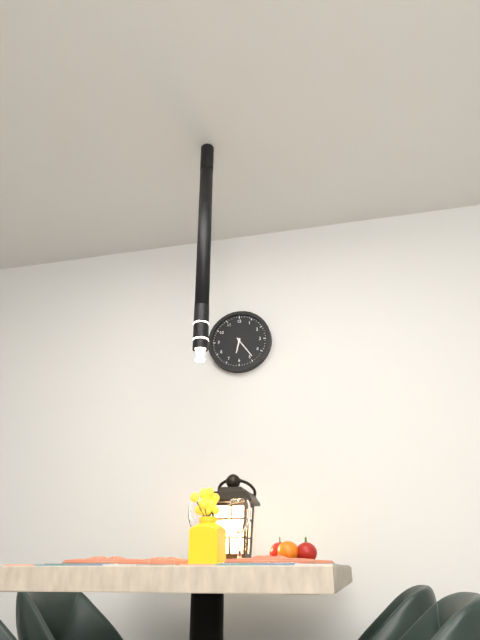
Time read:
6.24
